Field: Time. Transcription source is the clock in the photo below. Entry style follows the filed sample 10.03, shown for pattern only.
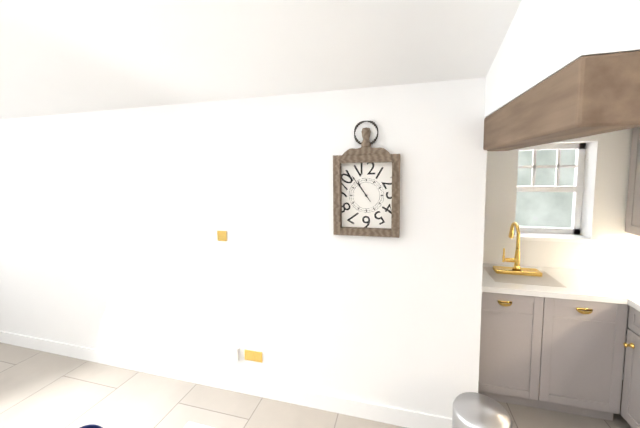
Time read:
10.54
